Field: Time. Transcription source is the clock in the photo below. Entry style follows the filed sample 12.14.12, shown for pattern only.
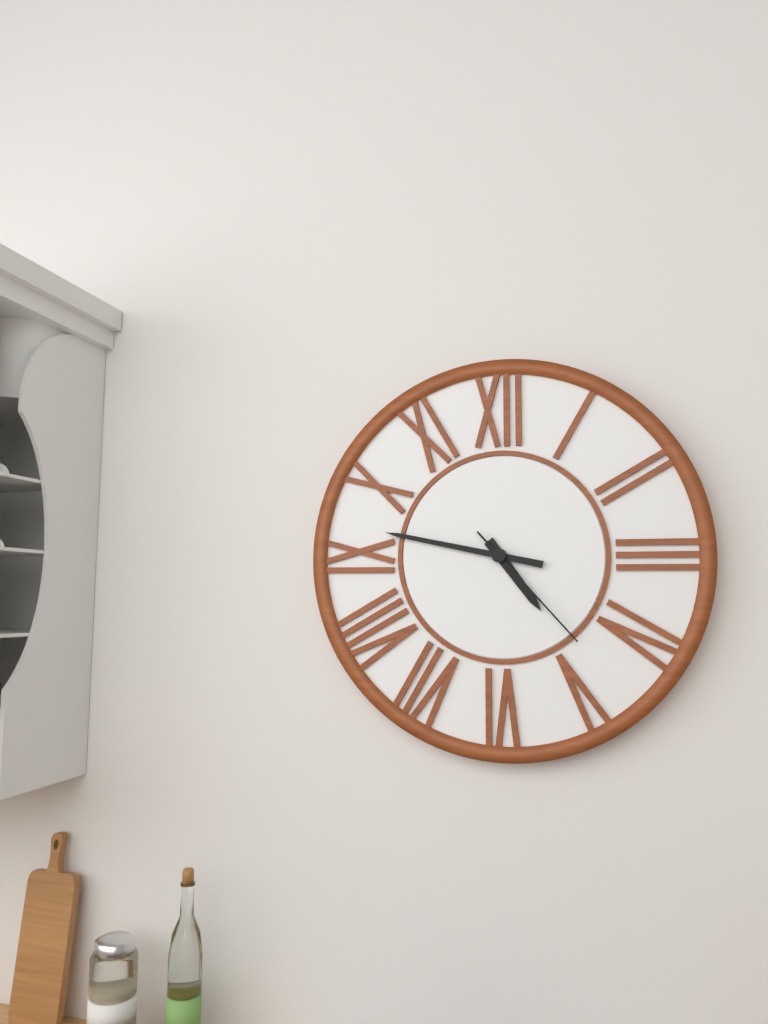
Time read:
4.47.23
